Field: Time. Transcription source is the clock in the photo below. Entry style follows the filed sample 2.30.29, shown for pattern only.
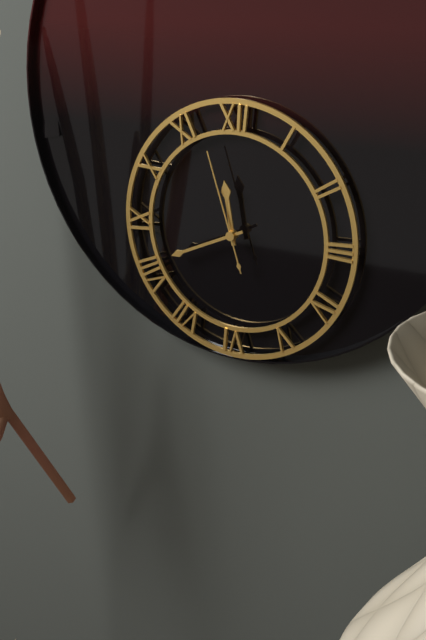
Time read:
11.41.57
